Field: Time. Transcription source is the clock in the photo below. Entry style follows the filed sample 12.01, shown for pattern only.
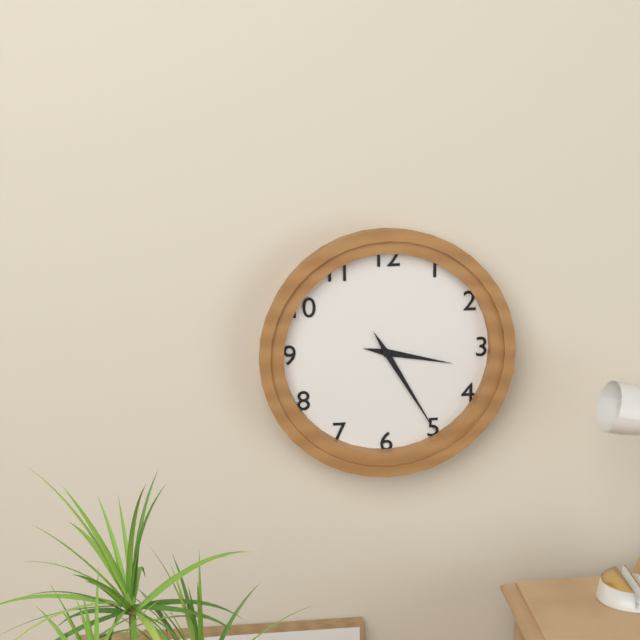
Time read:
3.25
